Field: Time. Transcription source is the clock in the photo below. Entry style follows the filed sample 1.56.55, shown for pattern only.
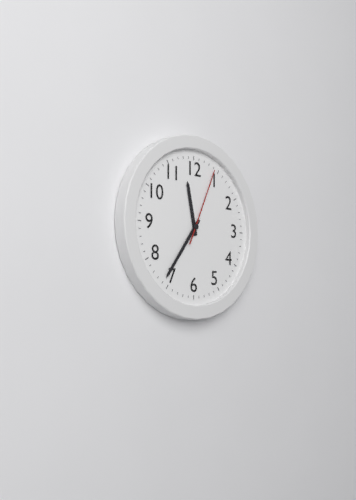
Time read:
11.36.04
